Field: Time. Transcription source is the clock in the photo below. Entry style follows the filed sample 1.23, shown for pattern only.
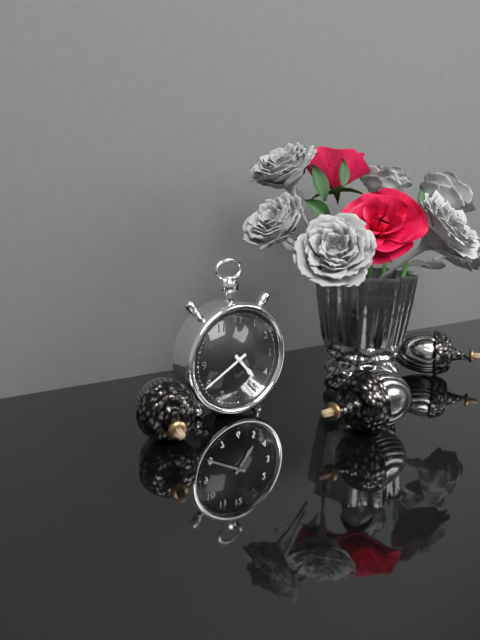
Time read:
4.40
